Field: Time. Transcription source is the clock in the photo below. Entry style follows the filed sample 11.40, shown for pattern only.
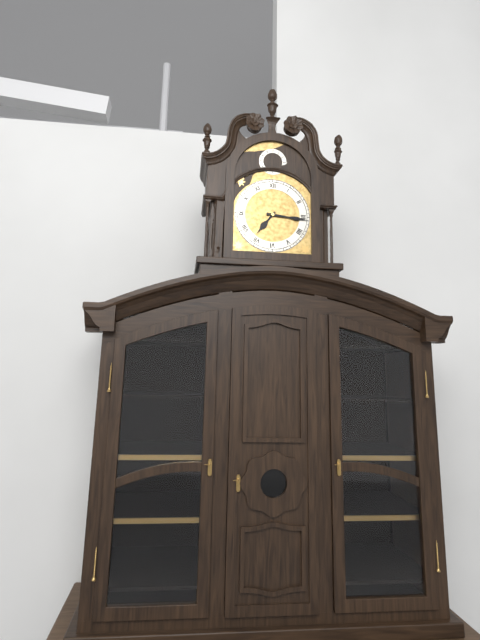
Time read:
7.16
